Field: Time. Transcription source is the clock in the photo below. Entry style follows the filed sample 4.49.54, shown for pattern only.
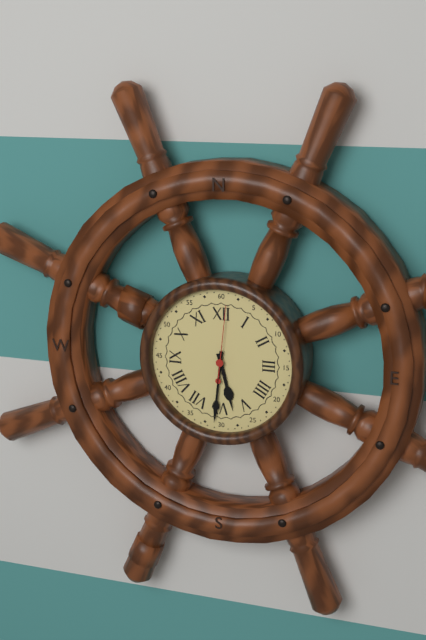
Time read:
5.31.01
